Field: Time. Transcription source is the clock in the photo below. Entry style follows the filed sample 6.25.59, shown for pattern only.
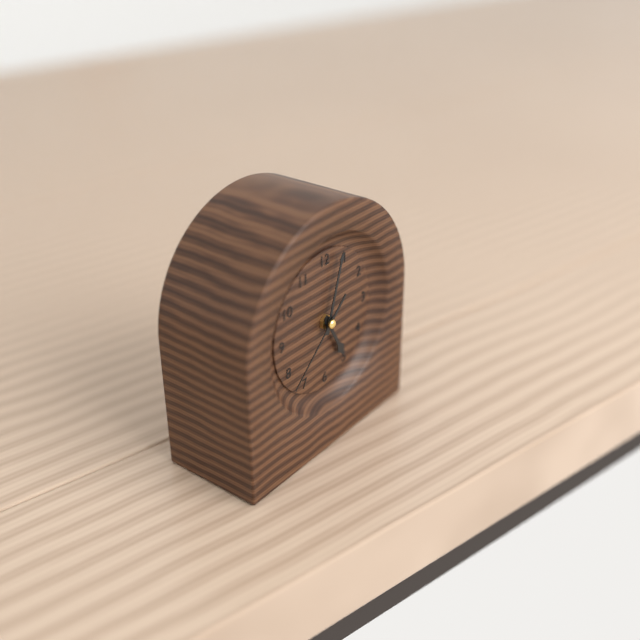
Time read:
5.03.38
